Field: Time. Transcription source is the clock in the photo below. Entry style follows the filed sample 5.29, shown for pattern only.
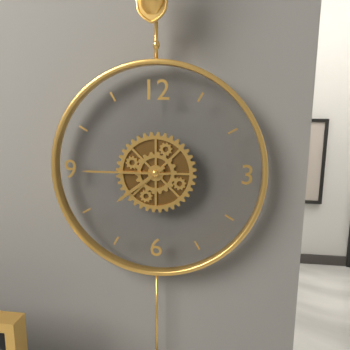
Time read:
7.45
